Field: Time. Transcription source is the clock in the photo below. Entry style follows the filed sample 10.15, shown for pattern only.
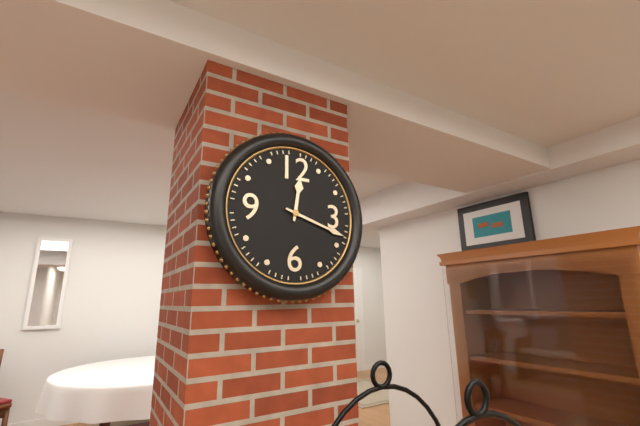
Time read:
12.18
